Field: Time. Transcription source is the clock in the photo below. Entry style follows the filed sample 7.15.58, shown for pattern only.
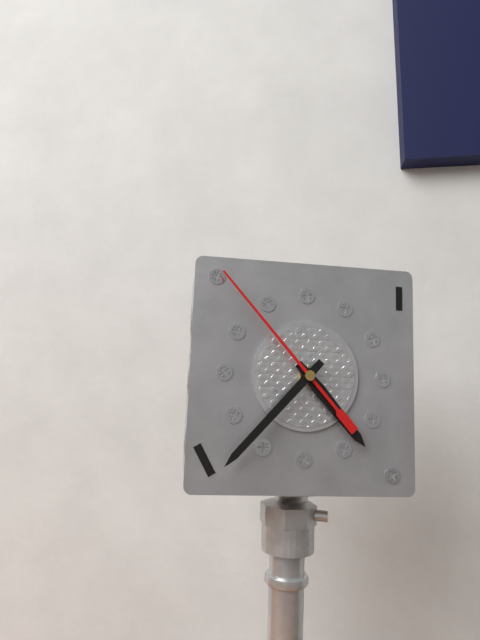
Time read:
4.37.53
